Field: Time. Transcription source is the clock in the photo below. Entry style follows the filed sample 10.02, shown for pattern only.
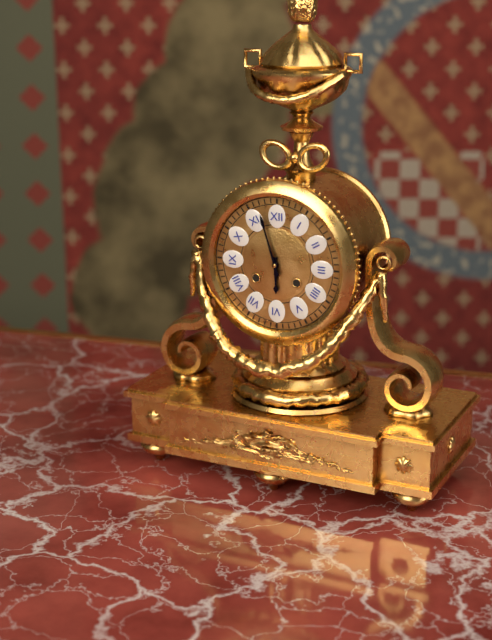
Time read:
5.57
